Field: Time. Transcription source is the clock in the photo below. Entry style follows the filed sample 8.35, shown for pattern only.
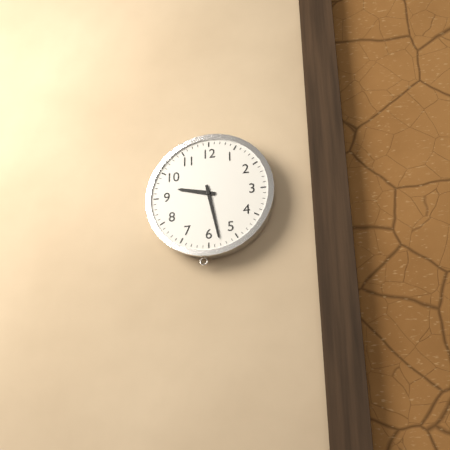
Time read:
9.28
